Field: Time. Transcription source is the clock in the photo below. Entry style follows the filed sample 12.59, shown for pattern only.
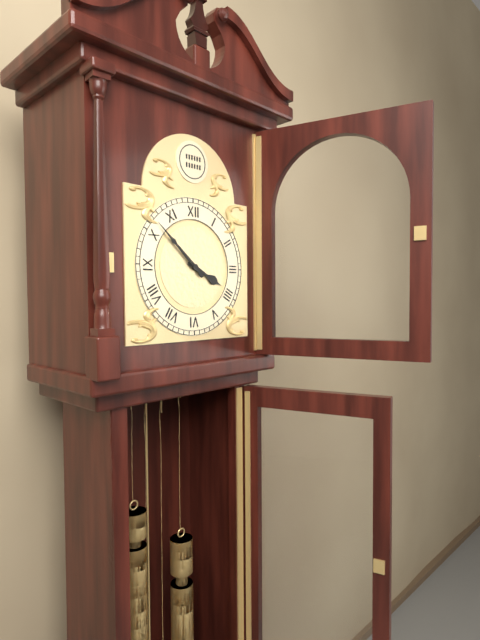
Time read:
3.52
